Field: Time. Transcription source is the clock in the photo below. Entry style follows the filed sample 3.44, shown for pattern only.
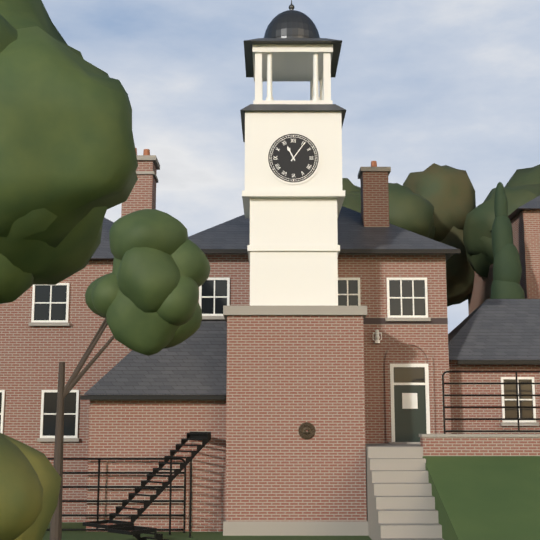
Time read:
11.06
